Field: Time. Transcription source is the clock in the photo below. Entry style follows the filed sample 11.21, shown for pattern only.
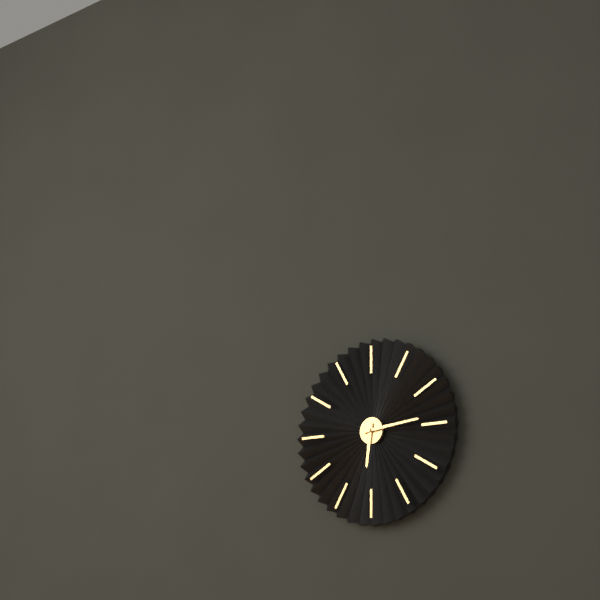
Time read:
6.14
